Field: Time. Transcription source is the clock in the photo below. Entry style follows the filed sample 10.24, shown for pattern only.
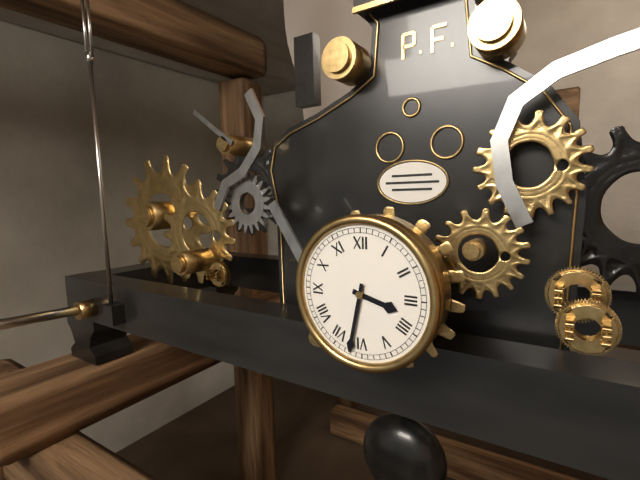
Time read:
3.32
